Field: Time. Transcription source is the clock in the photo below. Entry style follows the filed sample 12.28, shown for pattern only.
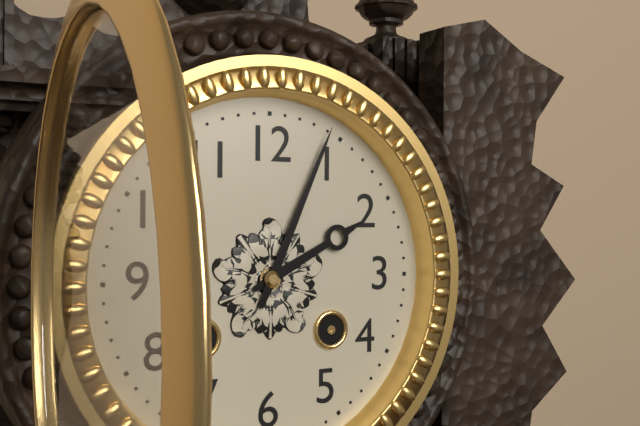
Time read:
2.04
